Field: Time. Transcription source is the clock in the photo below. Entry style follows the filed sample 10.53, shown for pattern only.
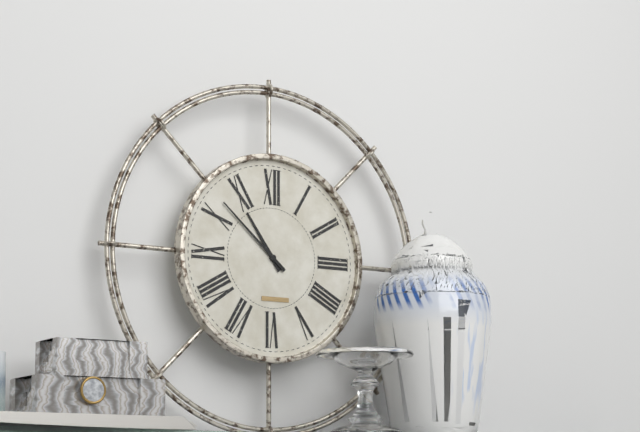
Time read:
10.52
